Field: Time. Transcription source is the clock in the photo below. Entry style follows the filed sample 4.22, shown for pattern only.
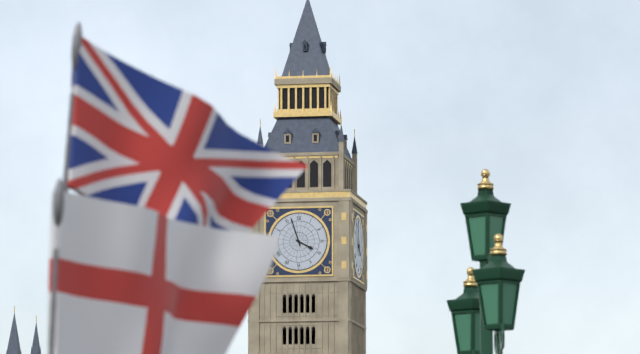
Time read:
3.57
